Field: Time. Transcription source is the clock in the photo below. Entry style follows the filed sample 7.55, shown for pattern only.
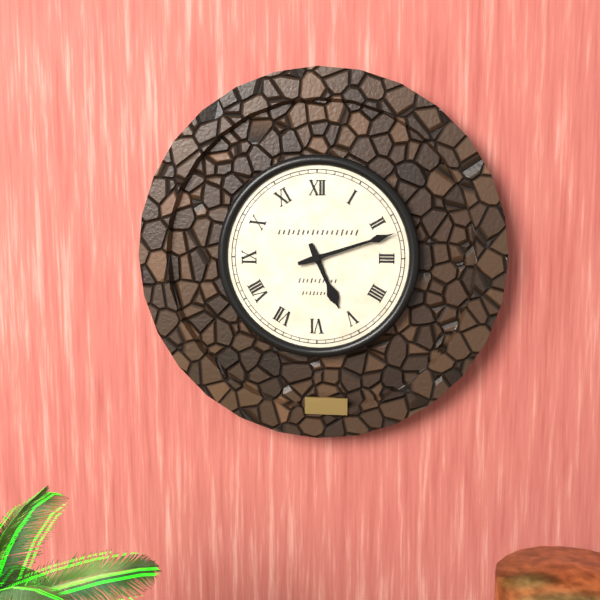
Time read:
5.12
